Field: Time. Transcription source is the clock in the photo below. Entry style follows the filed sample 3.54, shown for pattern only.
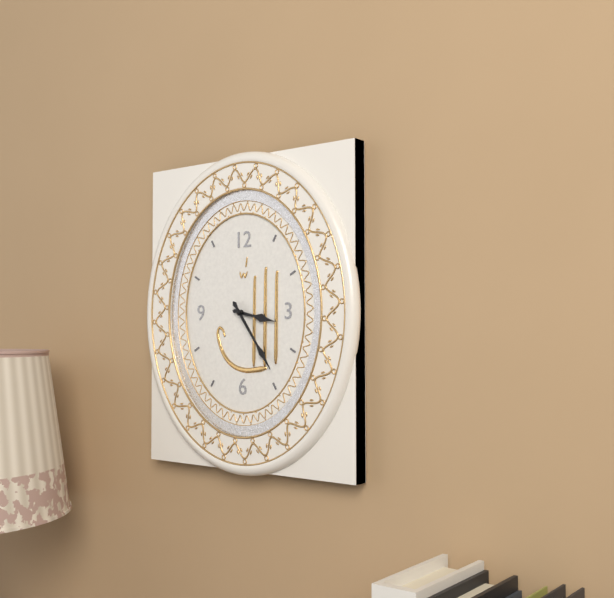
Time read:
3.24
